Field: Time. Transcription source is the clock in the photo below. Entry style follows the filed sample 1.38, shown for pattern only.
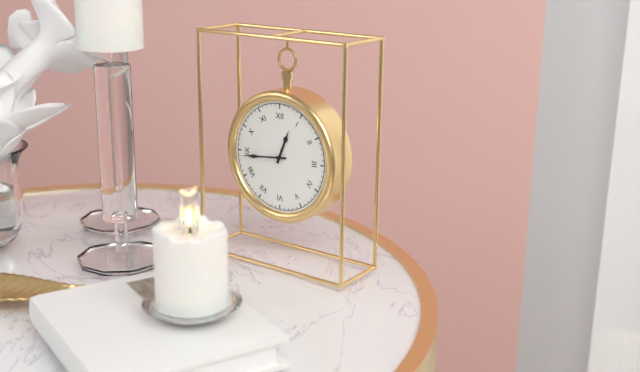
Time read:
12.44
